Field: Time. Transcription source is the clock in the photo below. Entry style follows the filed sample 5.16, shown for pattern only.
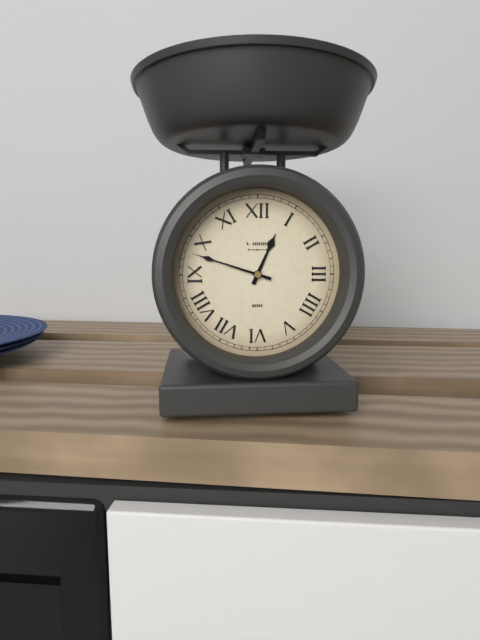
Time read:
12.48
